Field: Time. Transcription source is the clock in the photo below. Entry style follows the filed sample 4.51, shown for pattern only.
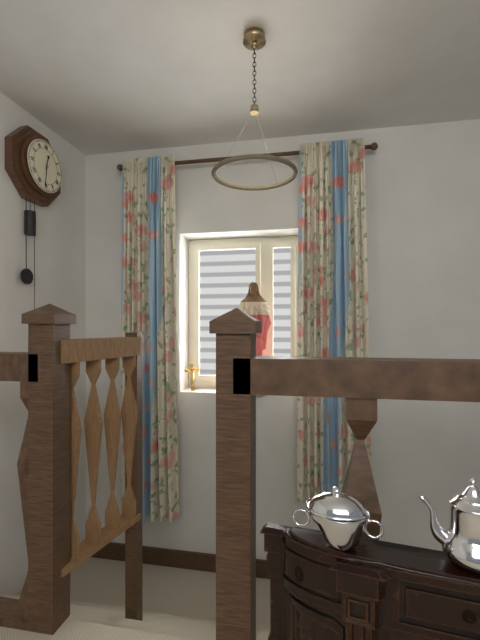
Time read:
12.31
